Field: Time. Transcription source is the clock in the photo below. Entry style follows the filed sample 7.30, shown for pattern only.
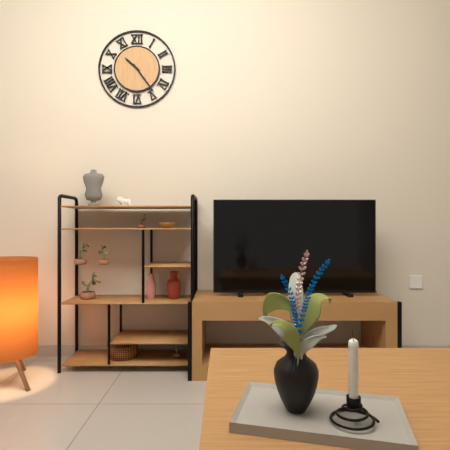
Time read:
10.24
